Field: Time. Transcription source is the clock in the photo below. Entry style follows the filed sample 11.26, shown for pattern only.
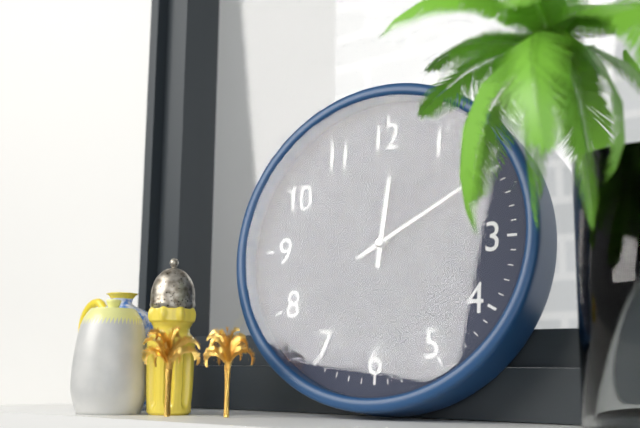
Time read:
12.10
